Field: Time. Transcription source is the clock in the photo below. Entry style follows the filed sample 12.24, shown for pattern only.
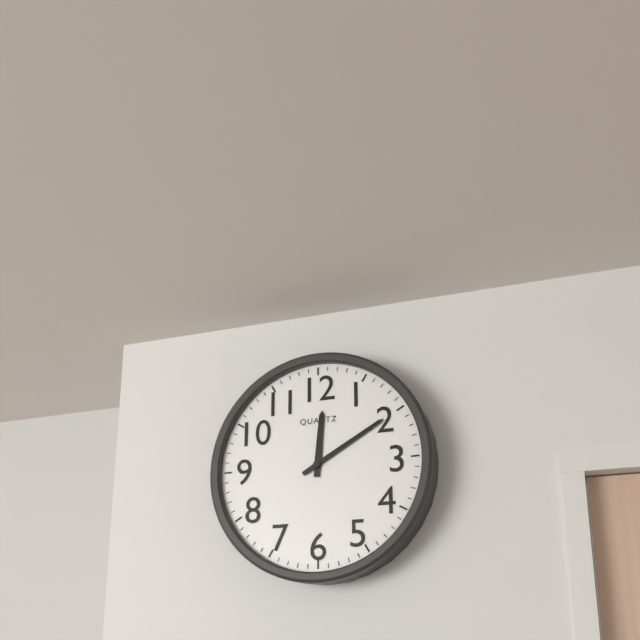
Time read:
12.10
